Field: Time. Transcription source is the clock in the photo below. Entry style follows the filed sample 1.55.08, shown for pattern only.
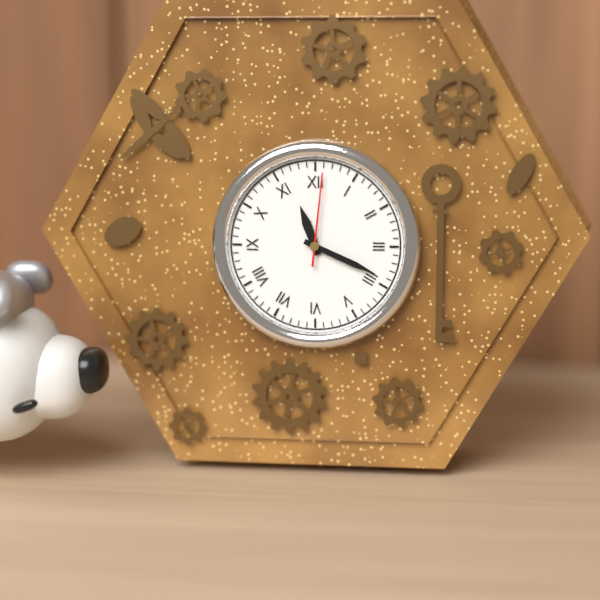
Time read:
11.19.01
